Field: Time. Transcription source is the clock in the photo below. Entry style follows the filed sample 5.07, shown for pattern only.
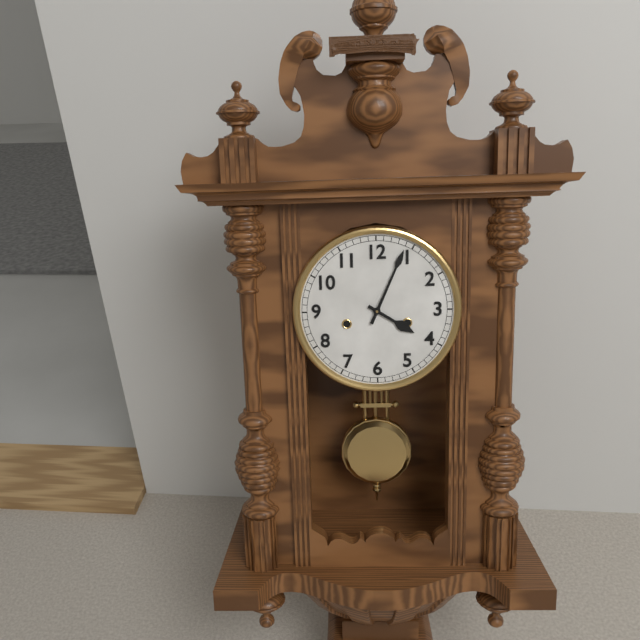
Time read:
4.04
